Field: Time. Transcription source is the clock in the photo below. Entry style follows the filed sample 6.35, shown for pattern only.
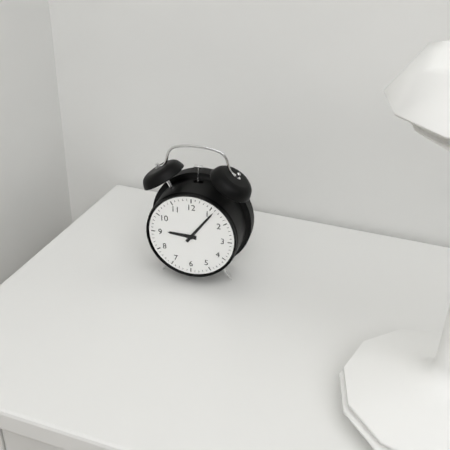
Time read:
9.06
